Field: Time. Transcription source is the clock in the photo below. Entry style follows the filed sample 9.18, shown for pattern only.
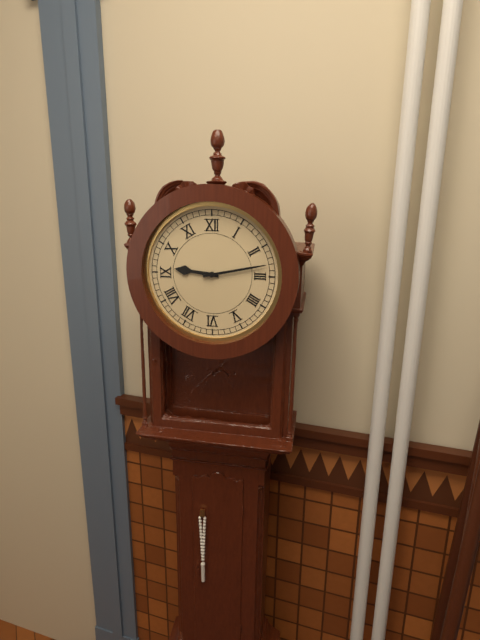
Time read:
9.13
